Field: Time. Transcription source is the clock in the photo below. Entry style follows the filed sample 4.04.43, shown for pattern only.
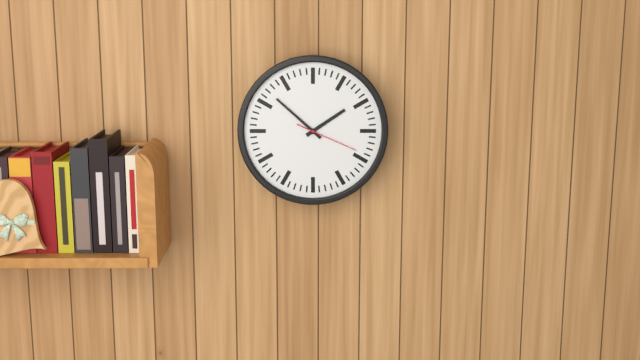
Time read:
1.52.19
